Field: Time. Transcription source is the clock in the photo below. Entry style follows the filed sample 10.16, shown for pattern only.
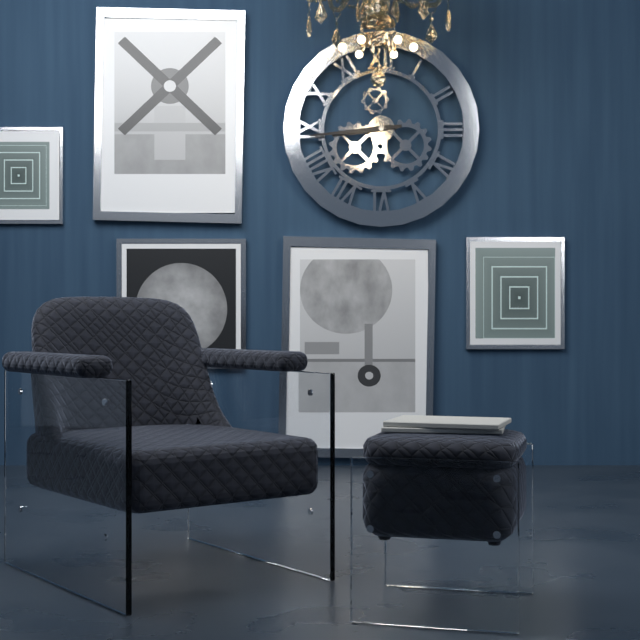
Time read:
8.44
